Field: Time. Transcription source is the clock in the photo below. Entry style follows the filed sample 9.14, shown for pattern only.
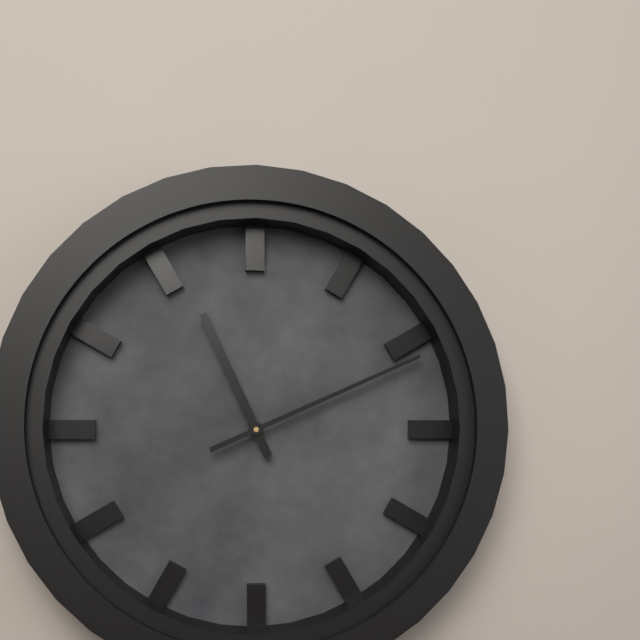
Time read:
11.11
